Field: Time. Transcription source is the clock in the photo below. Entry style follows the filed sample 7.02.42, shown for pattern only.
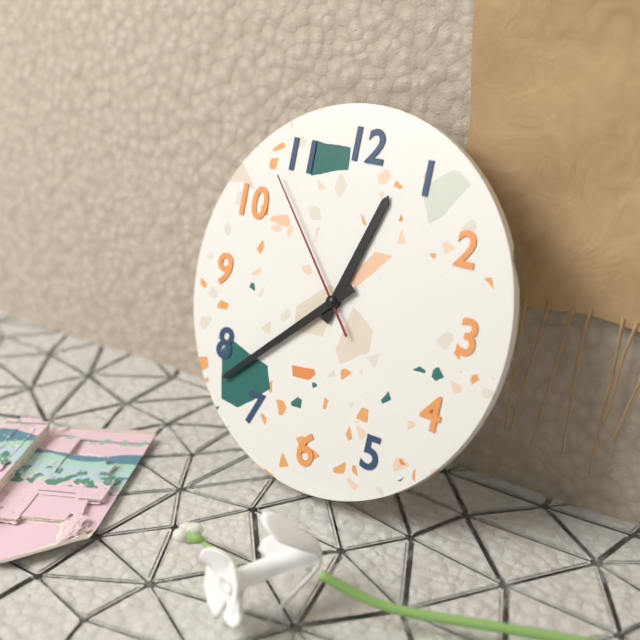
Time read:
12.38.53
